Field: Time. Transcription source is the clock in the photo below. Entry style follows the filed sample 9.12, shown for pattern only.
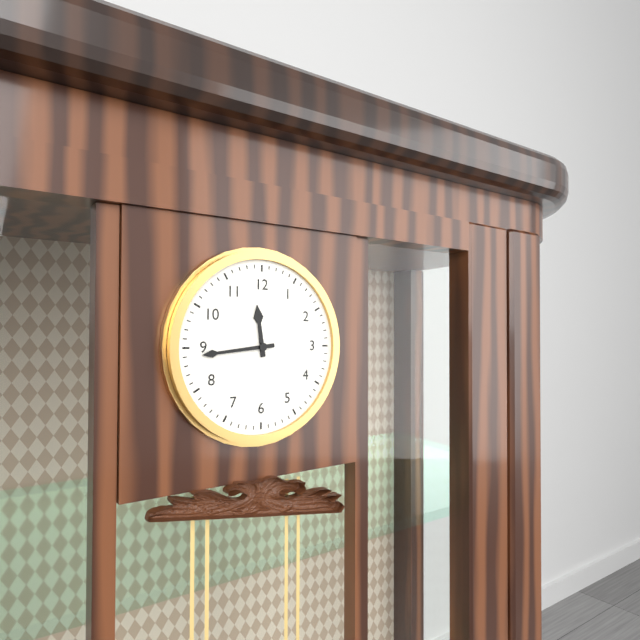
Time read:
11.44
